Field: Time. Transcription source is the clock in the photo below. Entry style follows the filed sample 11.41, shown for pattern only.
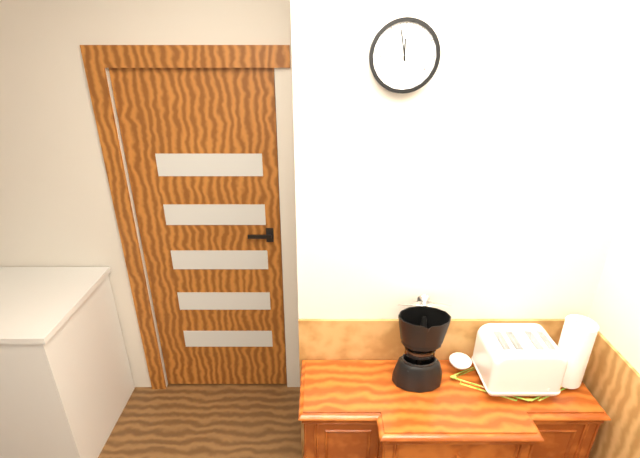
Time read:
11.58
